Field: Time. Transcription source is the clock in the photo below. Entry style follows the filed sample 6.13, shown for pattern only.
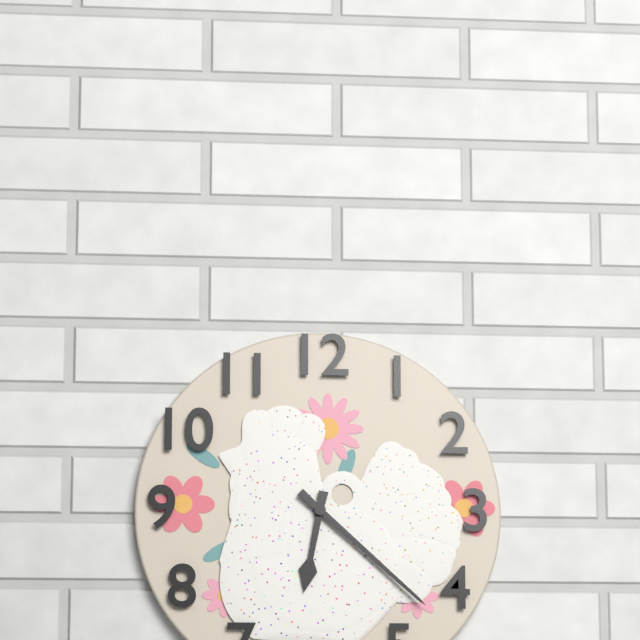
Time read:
6.22
